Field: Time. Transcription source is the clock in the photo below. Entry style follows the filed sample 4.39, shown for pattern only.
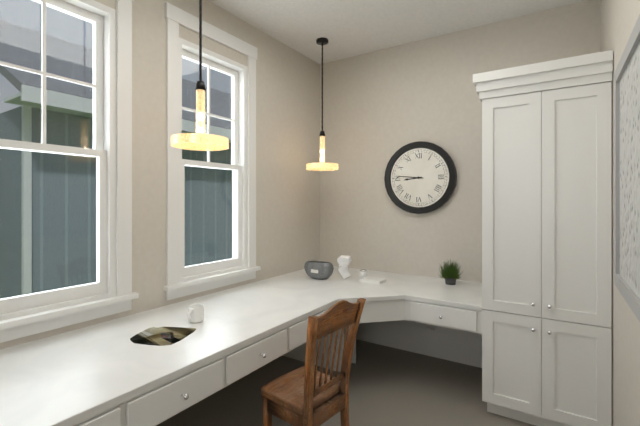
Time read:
8.46
